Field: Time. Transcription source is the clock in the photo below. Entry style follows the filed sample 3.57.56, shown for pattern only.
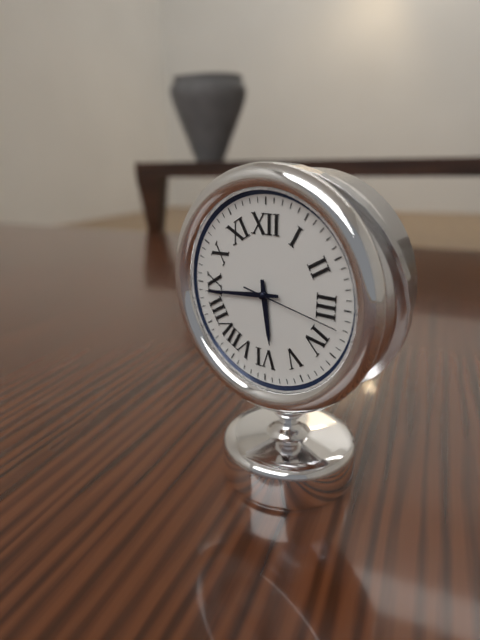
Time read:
5.44.17
